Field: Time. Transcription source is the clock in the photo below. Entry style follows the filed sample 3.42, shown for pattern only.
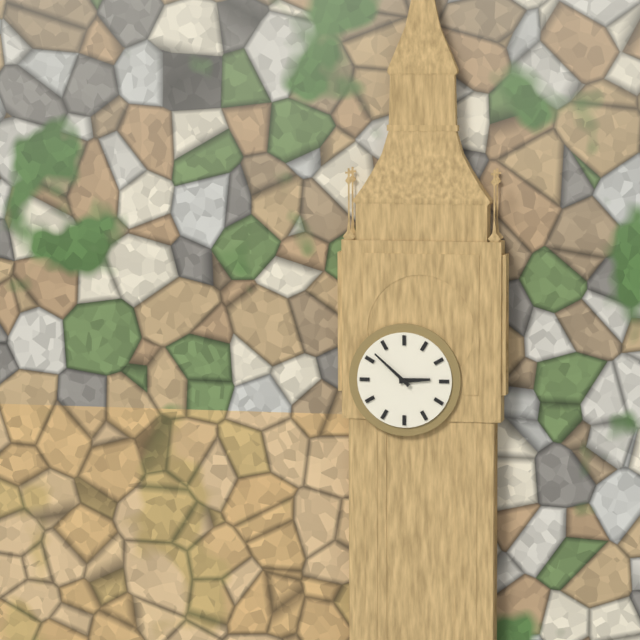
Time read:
2.52
